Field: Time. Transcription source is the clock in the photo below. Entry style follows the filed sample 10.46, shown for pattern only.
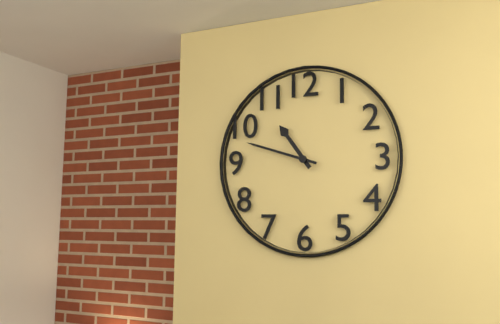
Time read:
10.48
